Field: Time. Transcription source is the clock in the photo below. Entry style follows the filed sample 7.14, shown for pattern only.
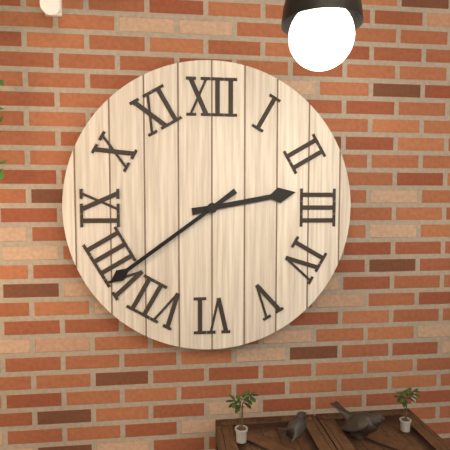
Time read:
2.39
